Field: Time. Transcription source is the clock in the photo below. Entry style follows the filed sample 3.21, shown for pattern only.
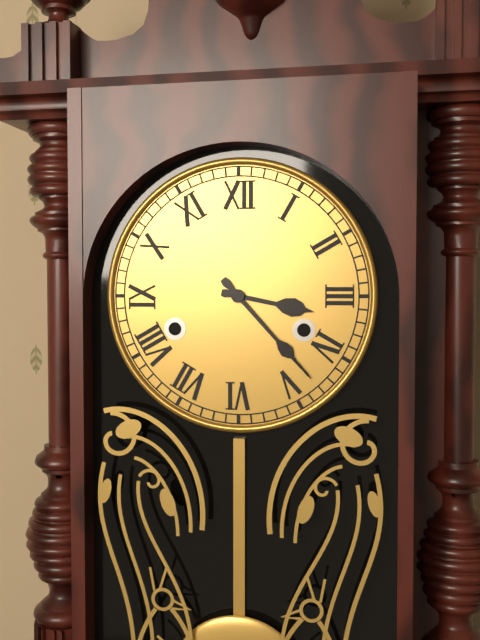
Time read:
3.23
